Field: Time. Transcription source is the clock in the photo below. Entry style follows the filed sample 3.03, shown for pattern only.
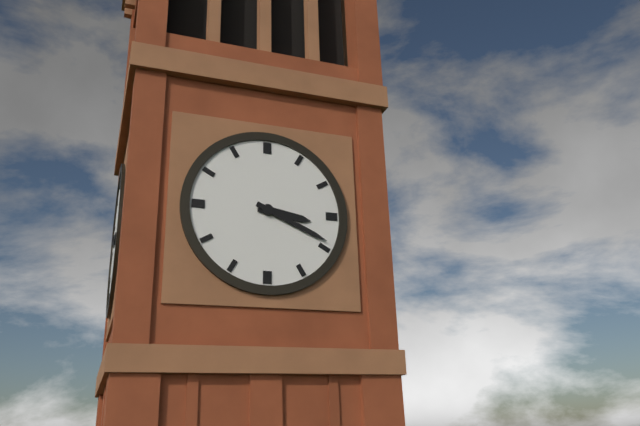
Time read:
3.19
